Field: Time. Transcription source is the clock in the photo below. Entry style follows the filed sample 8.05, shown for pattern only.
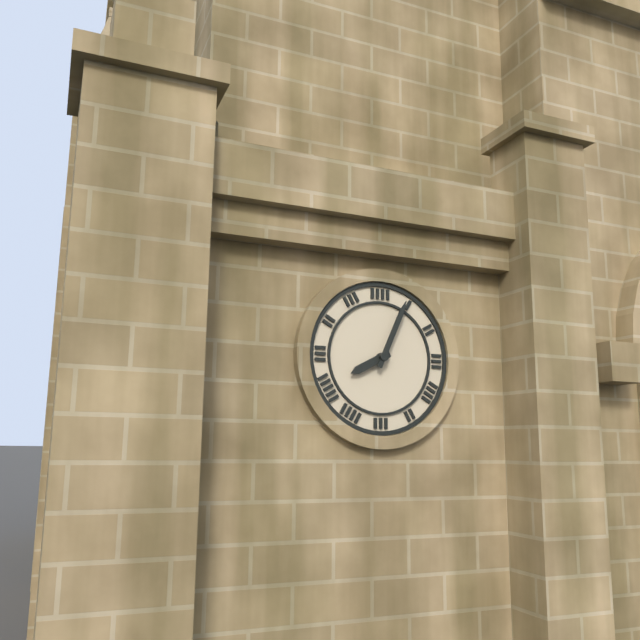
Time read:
8.04
